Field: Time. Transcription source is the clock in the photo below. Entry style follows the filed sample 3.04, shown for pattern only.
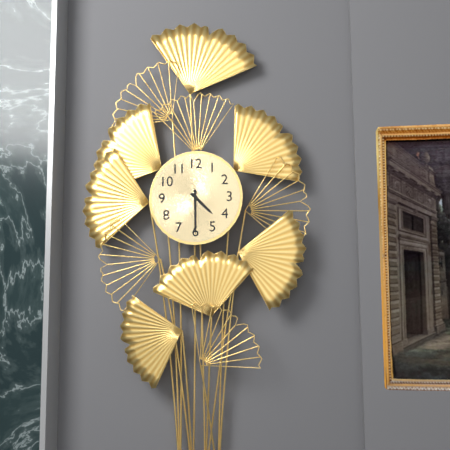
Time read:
4.30
